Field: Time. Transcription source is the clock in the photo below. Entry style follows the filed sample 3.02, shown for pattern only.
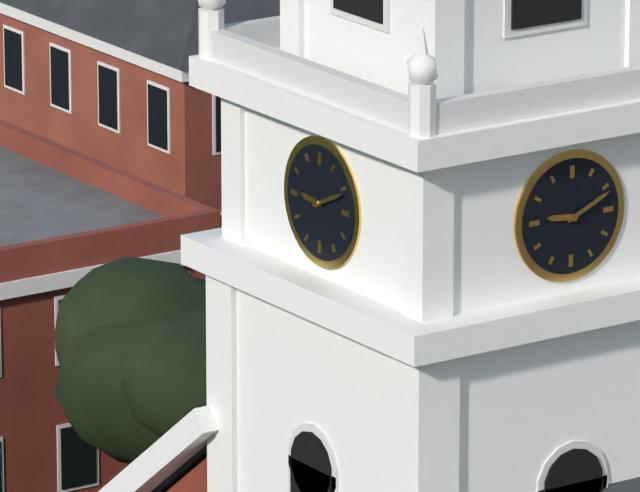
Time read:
9.11
